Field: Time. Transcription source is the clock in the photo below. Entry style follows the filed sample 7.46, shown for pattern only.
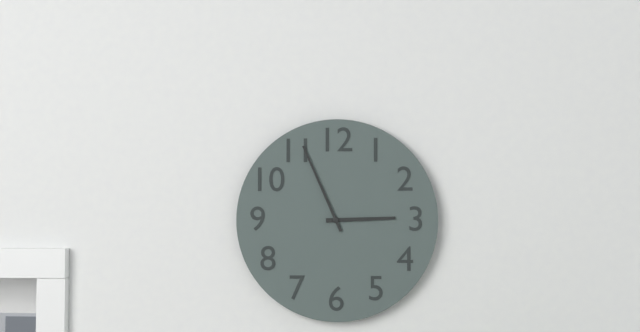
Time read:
2.56
